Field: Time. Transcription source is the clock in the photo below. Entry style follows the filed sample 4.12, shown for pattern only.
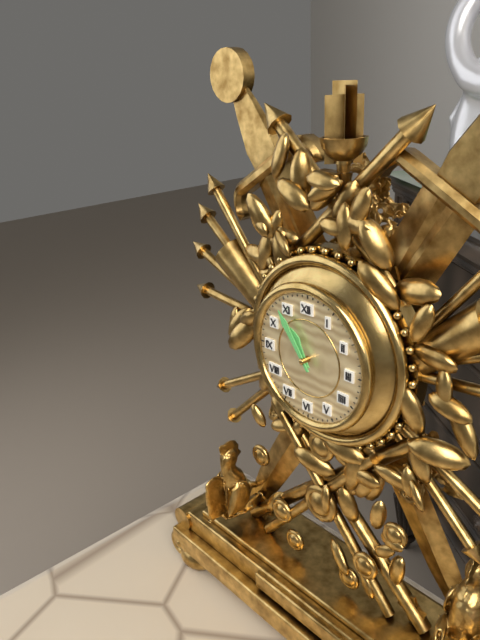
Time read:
10.54
